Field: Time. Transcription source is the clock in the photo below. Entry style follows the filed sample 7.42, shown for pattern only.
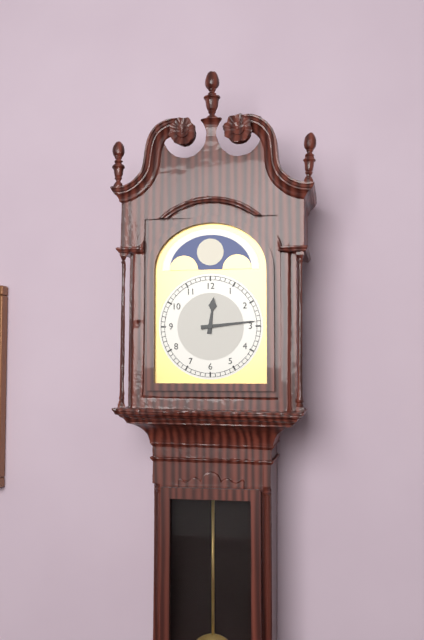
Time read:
12.14
